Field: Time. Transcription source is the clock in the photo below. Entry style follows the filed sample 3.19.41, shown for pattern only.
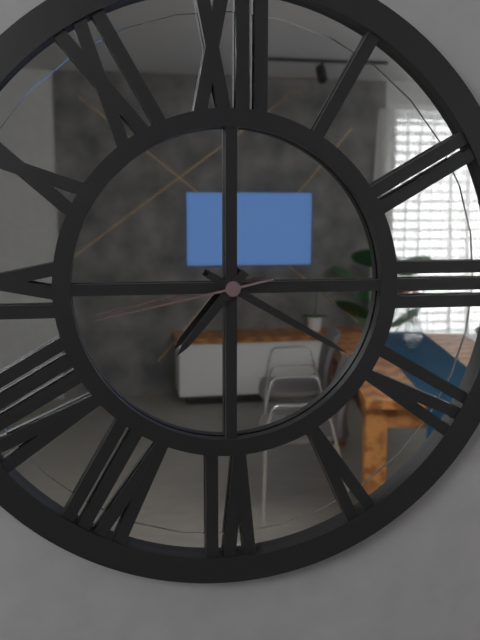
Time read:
7.20.43
